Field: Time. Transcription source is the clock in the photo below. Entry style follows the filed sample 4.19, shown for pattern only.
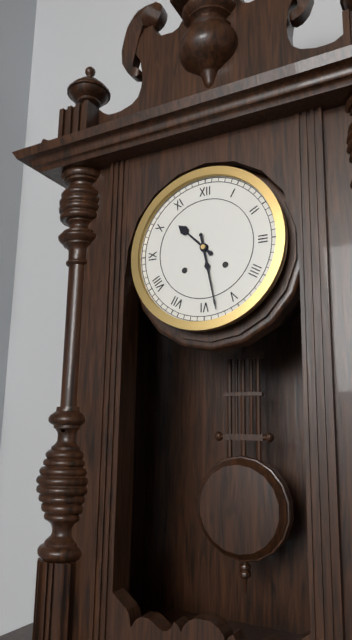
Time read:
10.28
